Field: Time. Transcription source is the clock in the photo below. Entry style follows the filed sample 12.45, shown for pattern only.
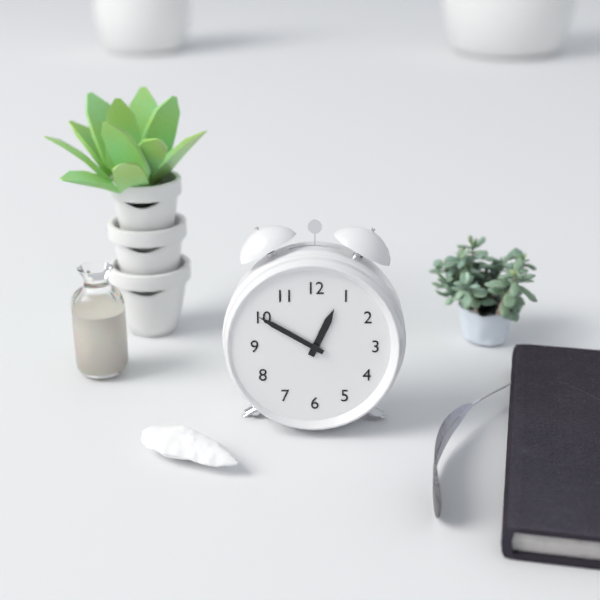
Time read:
12.50
